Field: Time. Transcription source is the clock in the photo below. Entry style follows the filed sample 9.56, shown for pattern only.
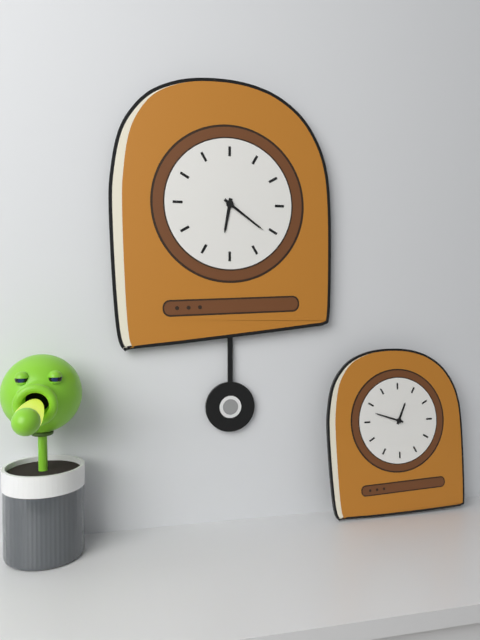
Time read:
6.21
